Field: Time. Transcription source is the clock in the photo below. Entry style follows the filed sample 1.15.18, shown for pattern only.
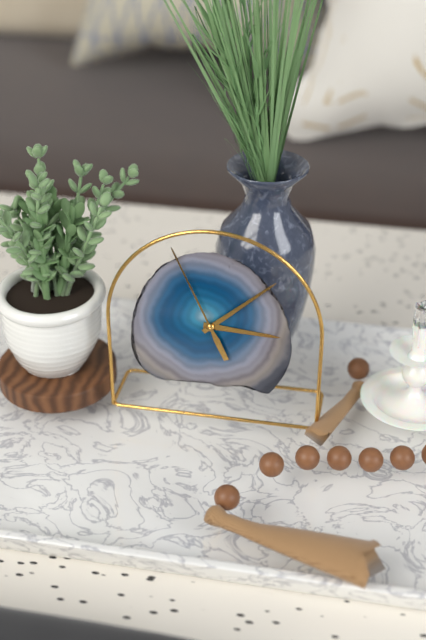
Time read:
3.08.56
